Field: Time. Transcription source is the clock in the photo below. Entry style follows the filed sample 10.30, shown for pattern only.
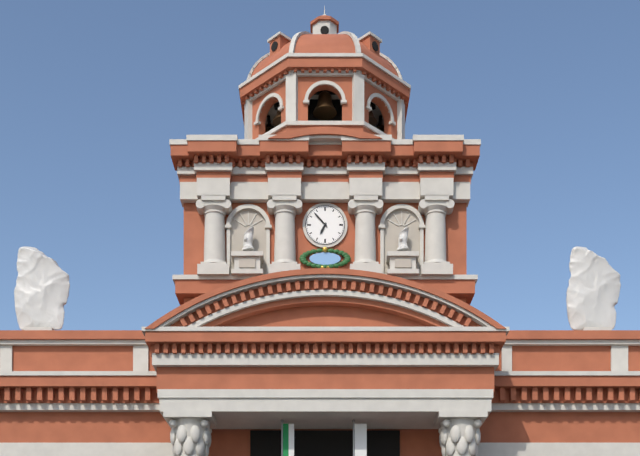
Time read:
6.53
